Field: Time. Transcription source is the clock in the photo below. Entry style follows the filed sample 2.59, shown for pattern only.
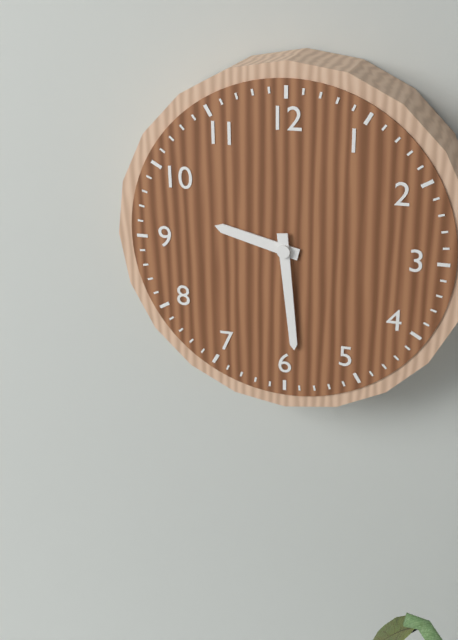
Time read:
9.29
